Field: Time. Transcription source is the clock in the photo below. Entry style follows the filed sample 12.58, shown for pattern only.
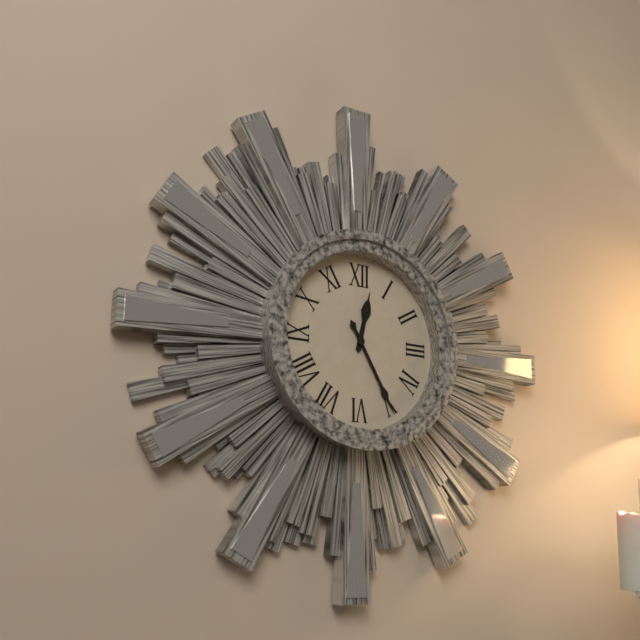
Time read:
12.25
